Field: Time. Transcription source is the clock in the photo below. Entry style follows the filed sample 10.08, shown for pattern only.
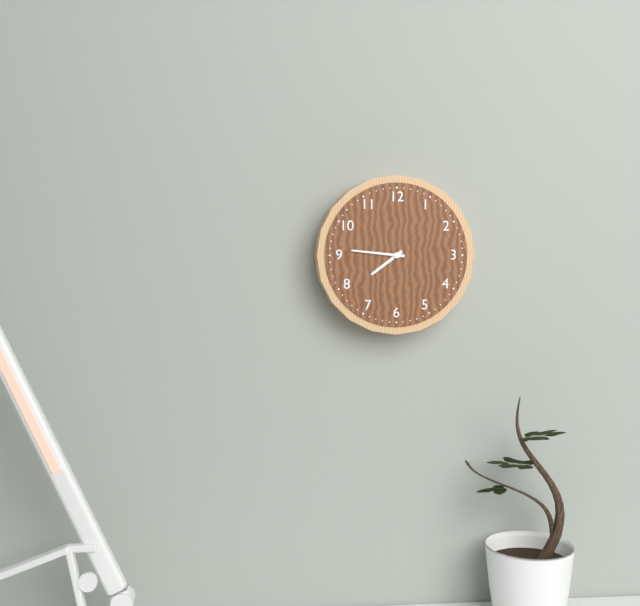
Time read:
7.46
